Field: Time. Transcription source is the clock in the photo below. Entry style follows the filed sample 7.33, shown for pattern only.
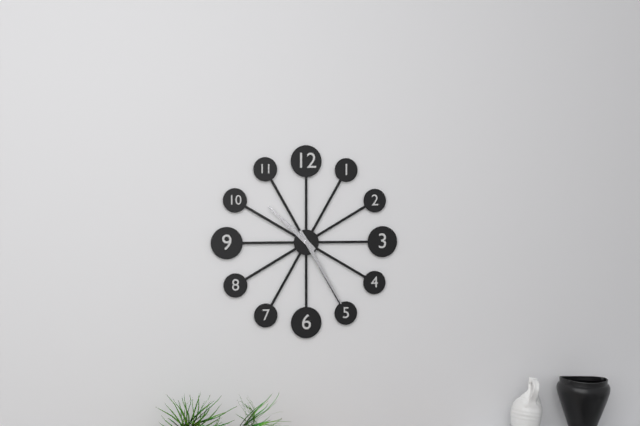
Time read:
10.25
